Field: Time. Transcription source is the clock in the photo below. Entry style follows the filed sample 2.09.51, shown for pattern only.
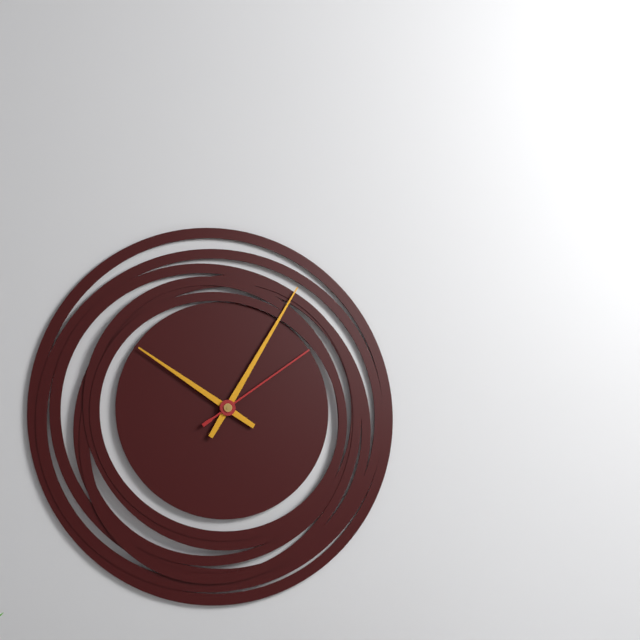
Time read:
10.05.09
